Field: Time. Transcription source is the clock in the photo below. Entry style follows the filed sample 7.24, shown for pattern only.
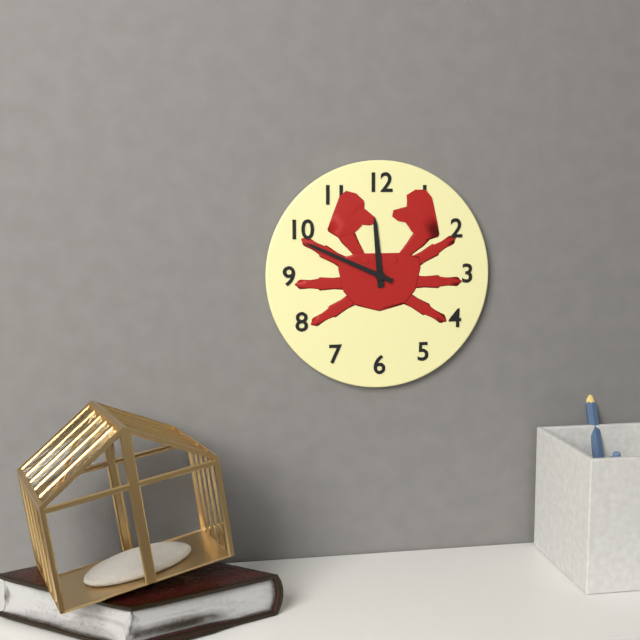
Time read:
11.49
